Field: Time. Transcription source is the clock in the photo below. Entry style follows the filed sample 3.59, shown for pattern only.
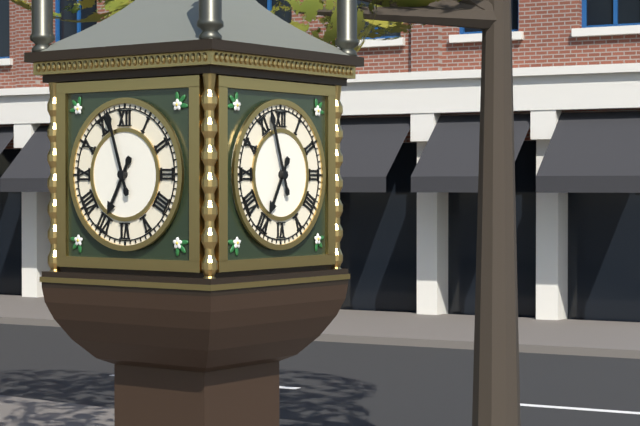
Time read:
6.57
